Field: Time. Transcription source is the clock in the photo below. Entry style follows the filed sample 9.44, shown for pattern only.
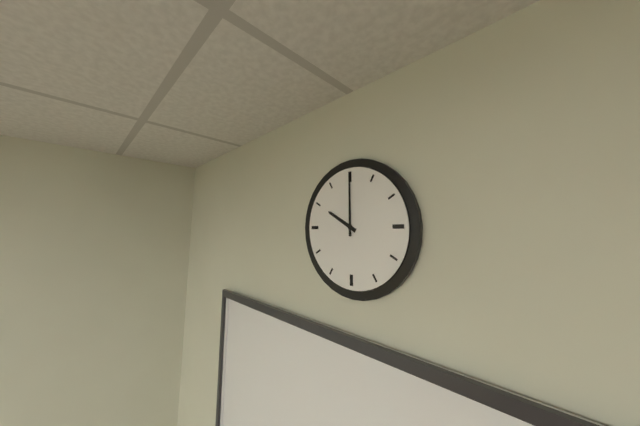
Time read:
10.00
